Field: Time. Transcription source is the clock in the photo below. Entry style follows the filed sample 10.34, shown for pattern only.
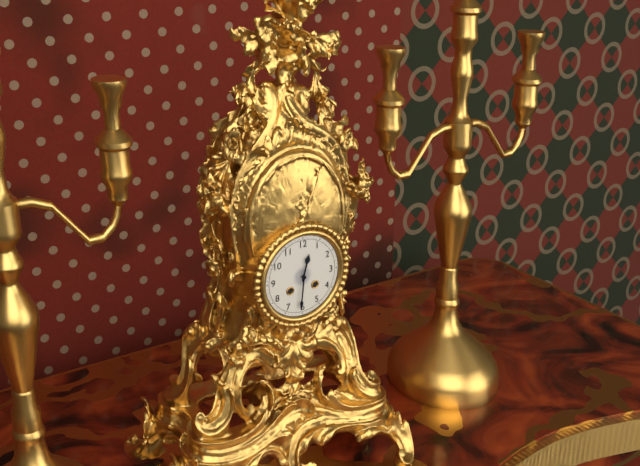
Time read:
12.31
